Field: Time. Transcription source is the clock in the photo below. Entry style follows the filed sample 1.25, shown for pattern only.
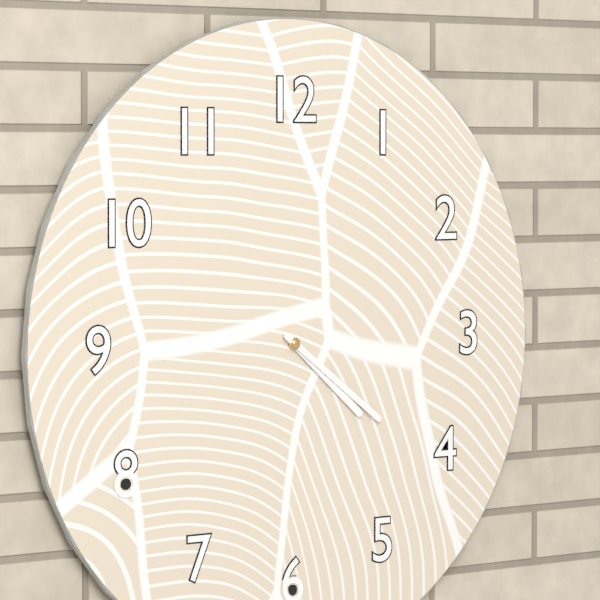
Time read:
4.21
